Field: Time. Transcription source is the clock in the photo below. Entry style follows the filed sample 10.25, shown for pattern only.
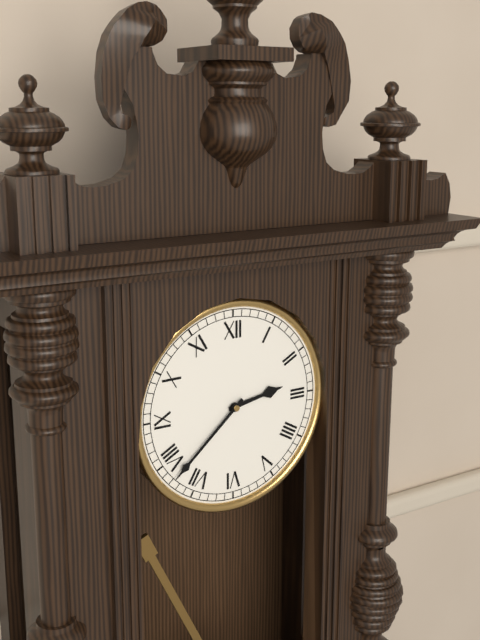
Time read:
2.38
